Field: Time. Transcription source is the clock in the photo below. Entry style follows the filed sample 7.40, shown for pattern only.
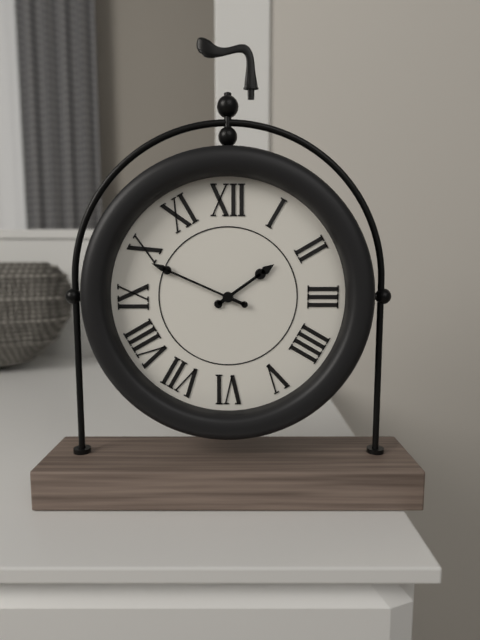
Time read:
1.49
